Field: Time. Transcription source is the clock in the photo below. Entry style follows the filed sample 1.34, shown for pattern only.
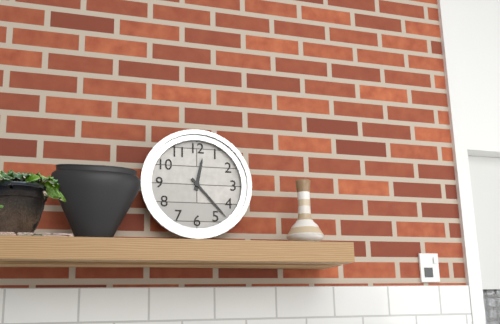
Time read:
12.23
